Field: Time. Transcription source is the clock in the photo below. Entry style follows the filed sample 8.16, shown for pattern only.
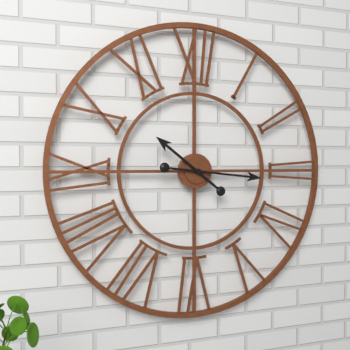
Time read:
10.16
